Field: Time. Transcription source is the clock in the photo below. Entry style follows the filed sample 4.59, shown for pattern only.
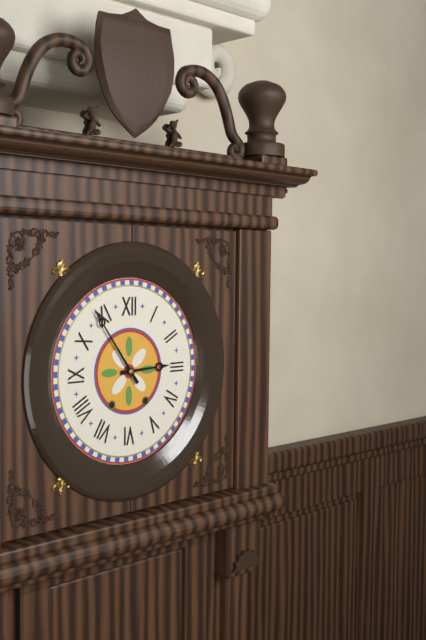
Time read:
2.54
